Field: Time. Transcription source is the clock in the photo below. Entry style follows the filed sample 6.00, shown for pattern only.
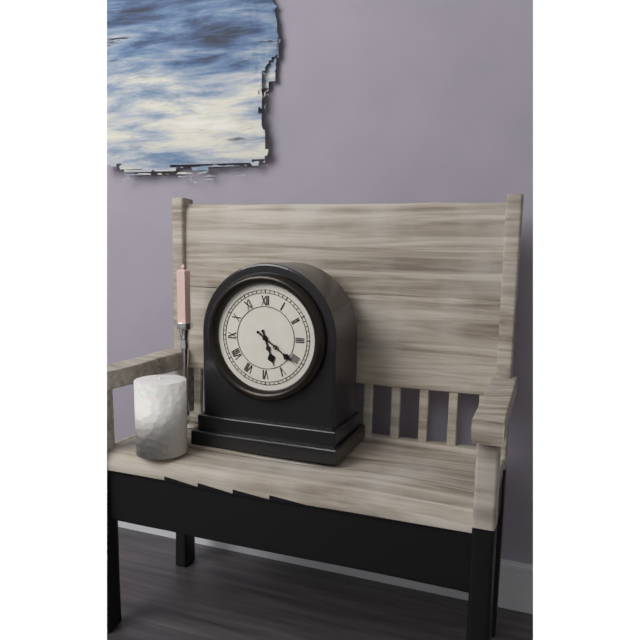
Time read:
5.21
